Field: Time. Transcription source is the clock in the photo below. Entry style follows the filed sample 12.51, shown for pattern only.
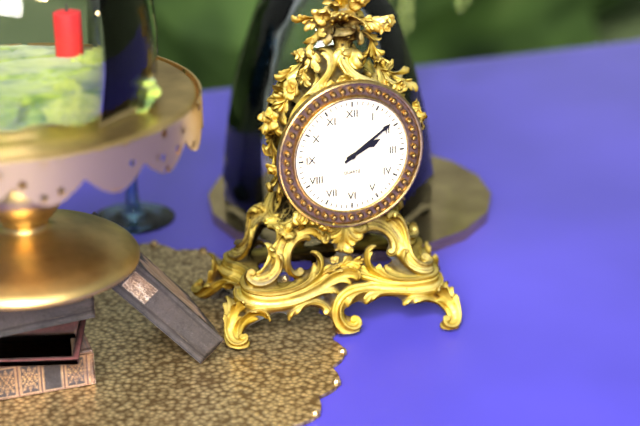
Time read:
2.09
